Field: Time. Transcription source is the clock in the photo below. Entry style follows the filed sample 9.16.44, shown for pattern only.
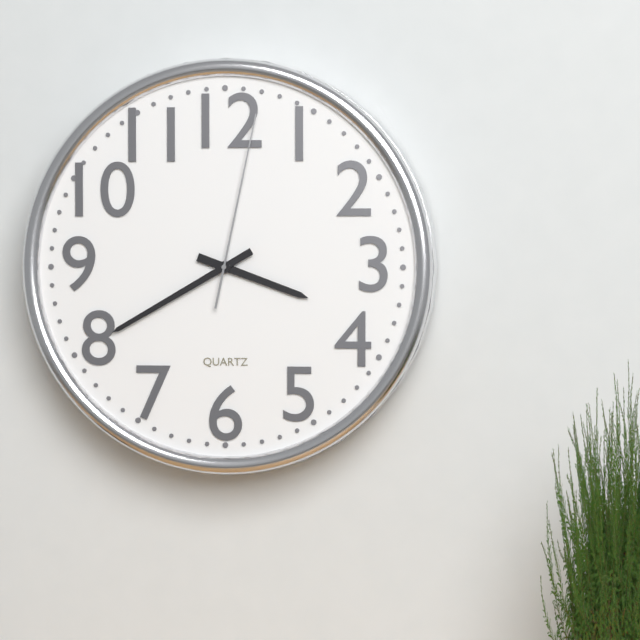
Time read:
3.40.02
